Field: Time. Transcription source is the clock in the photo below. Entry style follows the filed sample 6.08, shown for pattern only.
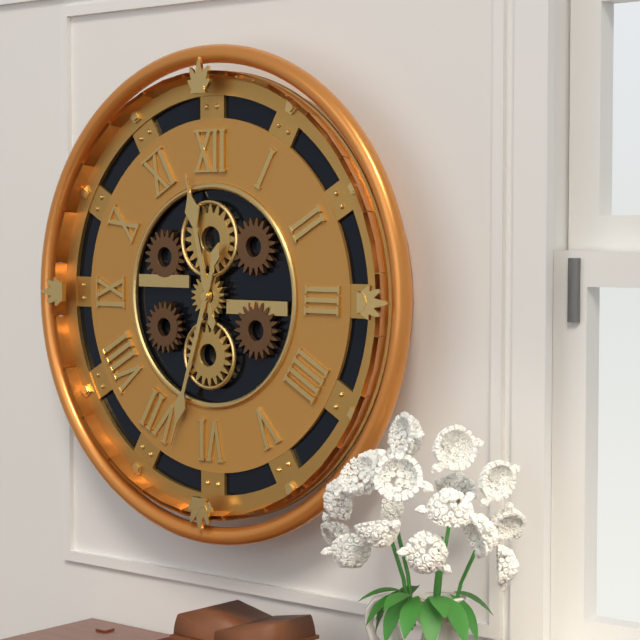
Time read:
11.33
